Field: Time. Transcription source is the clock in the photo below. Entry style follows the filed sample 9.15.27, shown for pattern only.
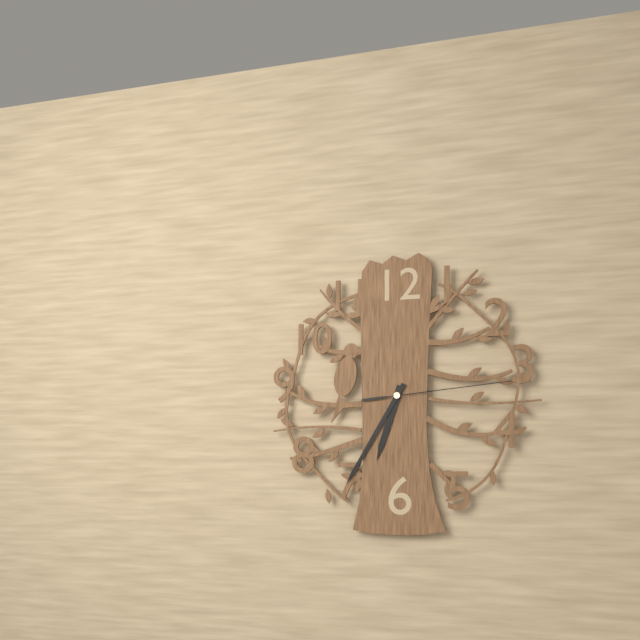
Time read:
6.35.14
